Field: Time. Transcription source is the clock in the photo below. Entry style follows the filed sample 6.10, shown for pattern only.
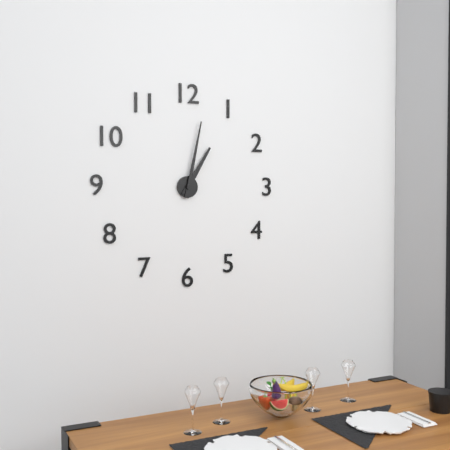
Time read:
1.02
